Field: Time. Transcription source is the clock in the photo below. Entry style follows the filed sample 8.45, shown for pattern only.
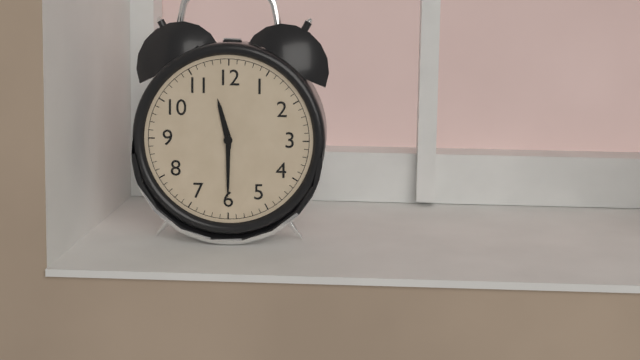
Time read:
11.30
